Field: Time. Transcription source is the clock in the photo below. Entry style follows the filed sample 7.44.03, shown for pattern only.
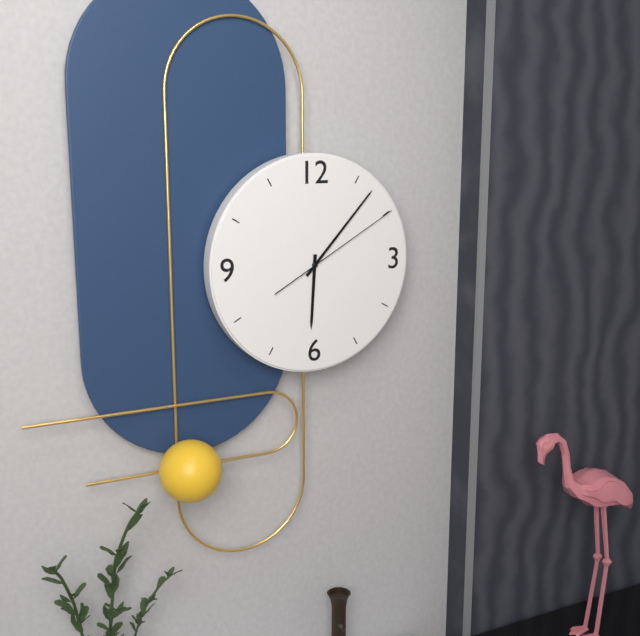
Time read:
6.07.10
